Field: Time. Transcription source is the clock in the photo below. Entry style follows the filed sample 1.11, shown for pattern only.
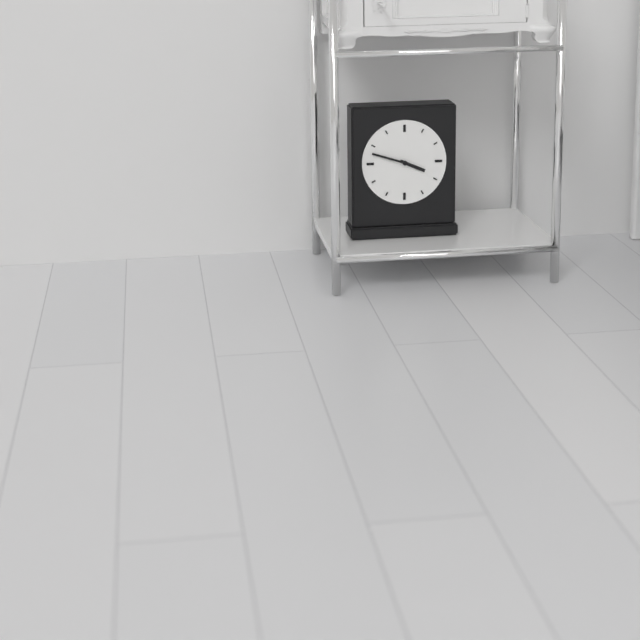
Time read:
3.48
